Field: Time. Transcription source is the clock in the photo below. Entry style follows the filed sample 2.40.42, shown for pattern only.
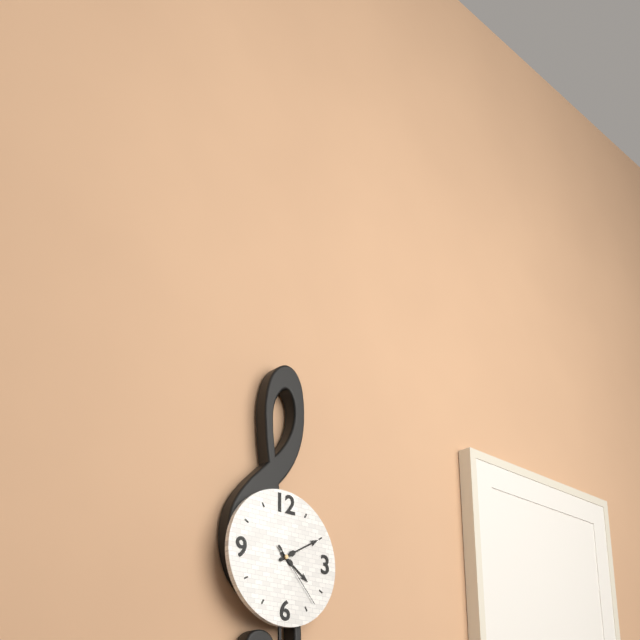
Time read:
4.10.23
